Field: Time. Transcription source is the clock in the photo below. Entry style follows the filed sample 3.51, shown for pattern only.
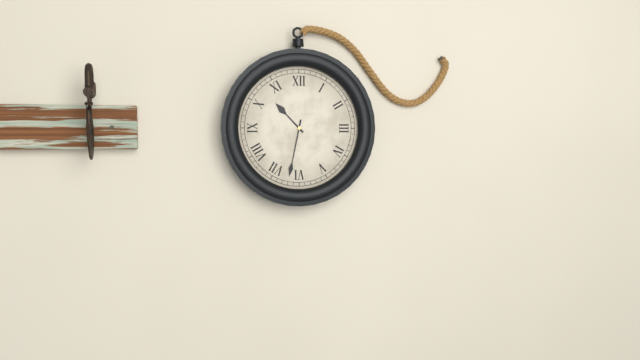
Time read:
10.32
